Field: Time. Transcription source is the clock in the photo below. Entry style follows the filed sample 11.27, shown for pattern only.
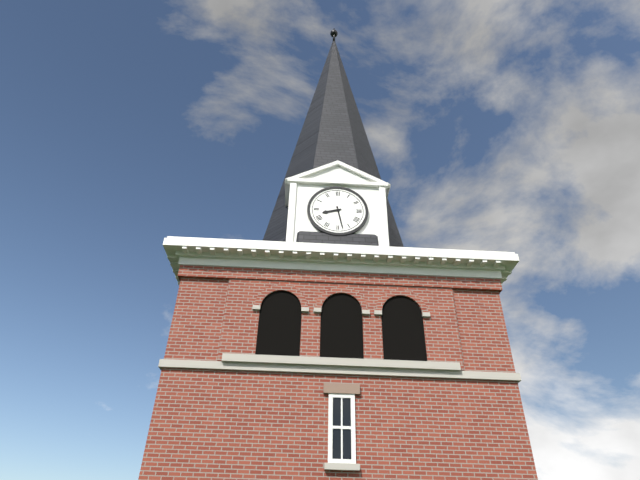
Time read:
8.28
